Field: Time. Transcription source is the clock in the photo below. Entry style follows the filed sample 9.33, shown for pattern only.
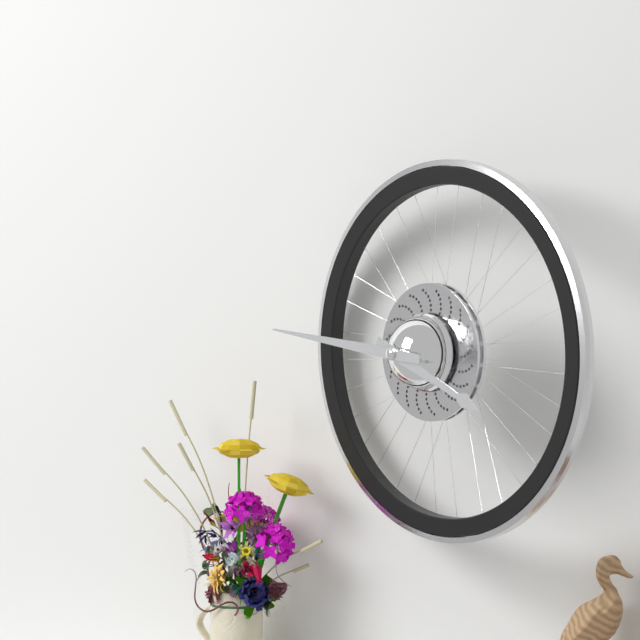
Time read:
3.46
